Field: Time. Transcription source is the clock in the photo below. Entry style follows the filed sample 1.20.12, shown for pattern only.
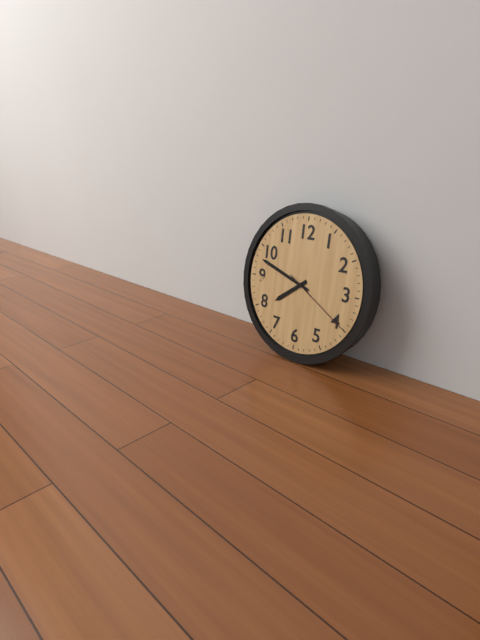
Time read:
7.48.20
